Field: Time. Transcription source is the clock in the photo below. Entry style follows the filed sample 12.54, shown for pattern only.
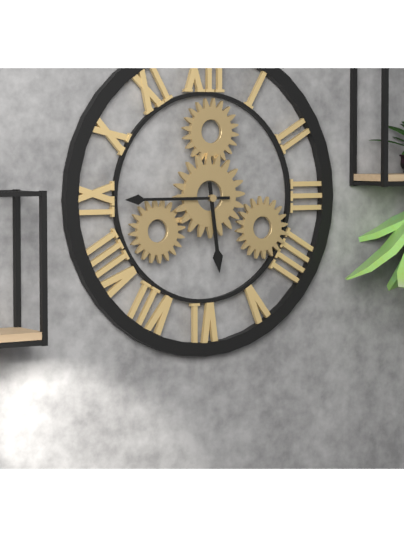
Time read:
5.45
